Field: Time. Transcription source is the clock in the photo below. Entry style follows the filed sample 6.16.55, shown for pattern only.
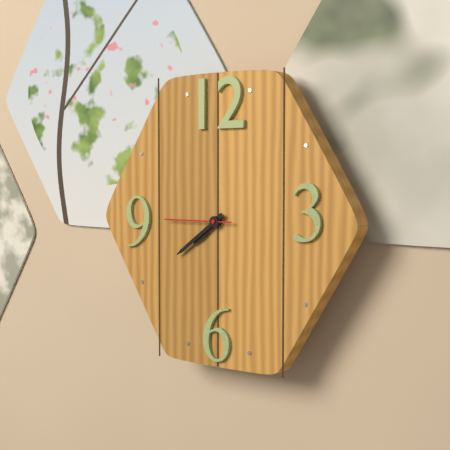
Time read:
7.39.45
